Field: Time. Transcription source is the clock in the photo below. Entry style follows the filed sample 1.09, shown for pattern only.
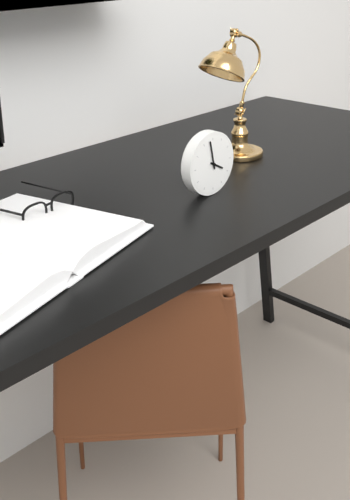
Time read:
3.58
